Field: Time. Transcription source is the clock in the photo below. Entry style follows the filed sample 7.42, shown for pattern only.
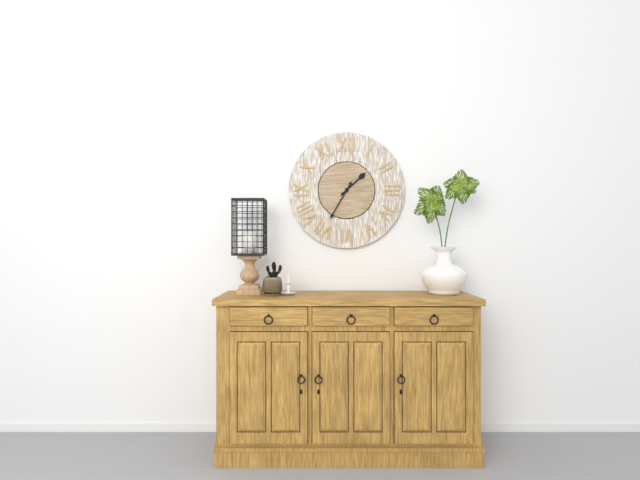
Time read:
1.35
